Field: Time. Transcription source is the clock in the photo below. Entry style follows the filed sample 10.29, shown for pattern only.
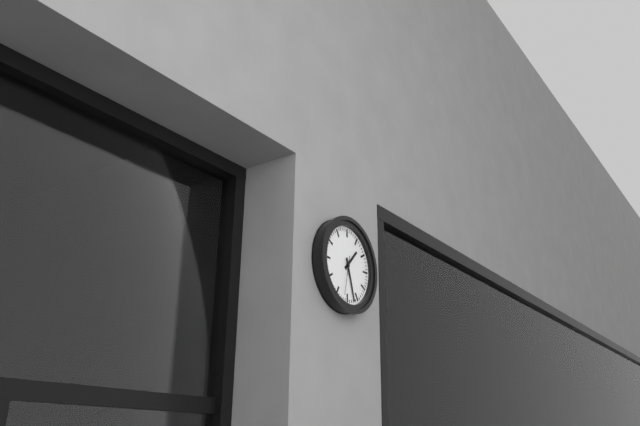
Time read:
1.27
